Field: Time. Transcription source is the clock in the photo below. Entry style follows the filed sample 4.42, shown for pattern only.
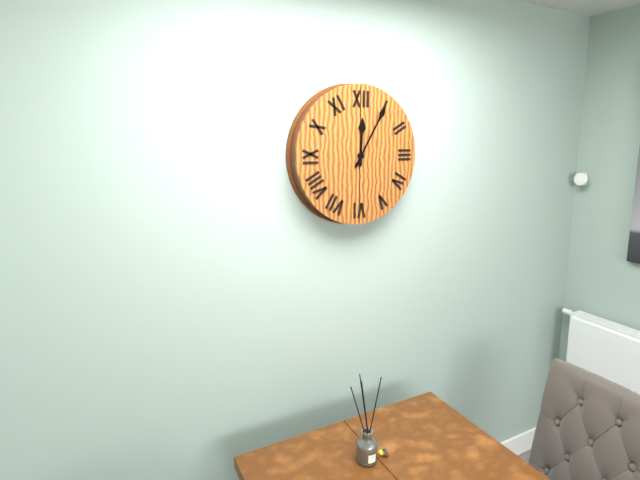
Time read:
12.05
